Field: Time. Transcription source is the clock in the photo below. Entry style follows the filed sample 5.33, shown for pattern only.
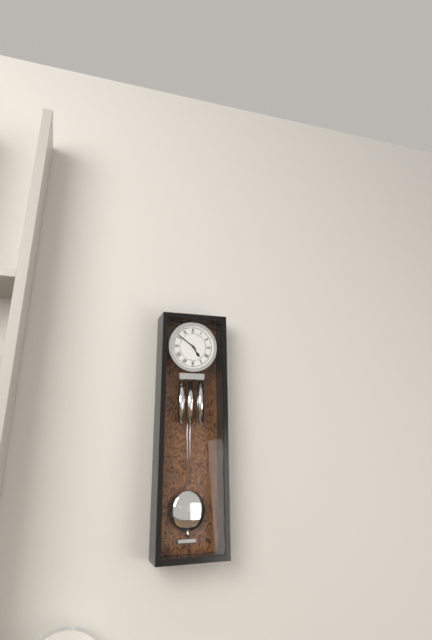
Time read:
4.51
